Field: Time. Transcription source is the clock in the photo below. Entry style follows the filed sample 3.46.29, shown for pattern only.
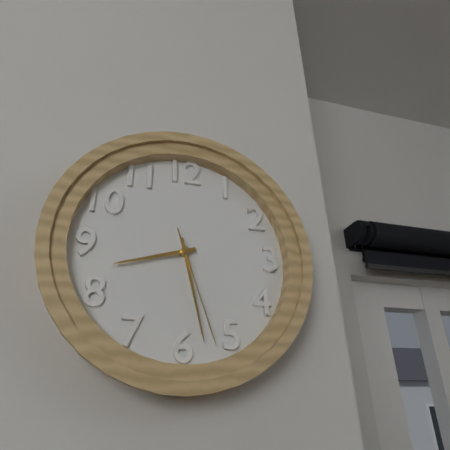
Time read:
8.28.27
